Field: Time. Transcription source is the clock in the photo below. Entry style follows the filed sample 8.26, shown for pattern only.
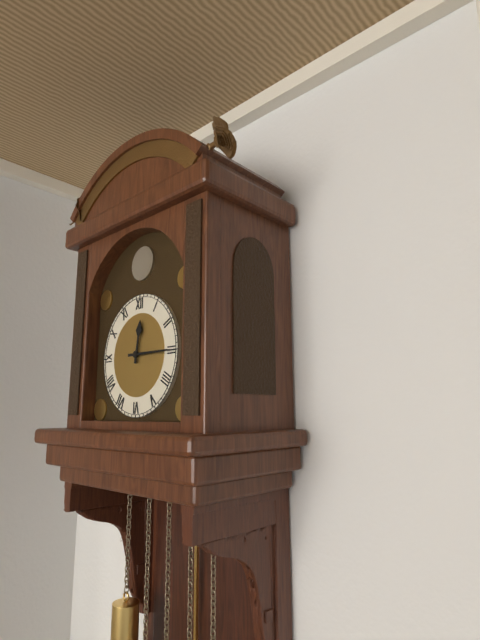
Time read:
12.15
